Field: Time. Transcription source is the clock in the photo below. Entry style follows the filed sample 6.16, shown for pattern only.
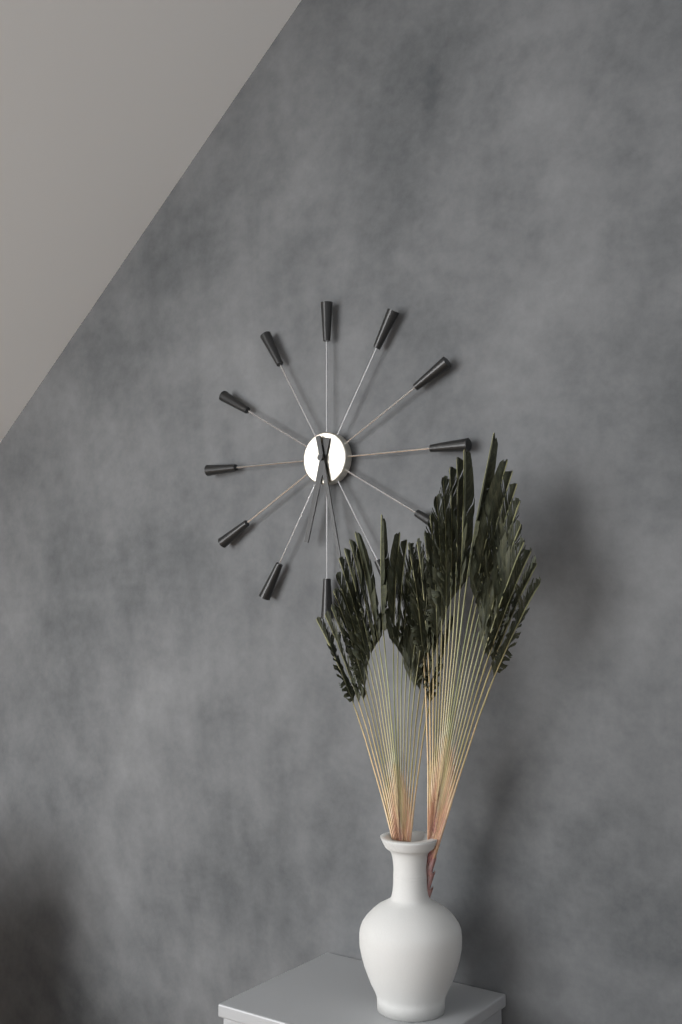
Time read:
6.28
